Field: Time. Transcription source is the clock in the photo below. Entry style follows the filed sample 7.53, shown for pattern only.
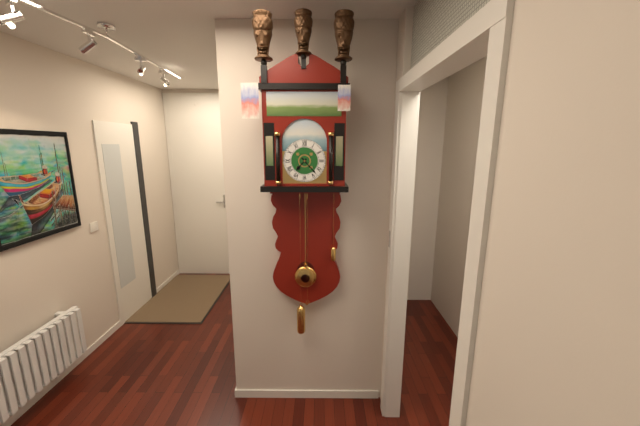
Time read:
7.23
